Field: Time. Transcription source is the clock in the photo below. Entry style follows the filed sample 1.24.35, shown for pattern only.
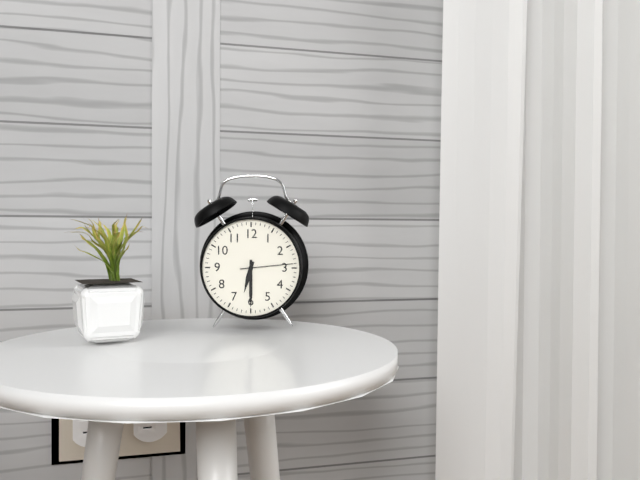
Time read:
6.30.14
